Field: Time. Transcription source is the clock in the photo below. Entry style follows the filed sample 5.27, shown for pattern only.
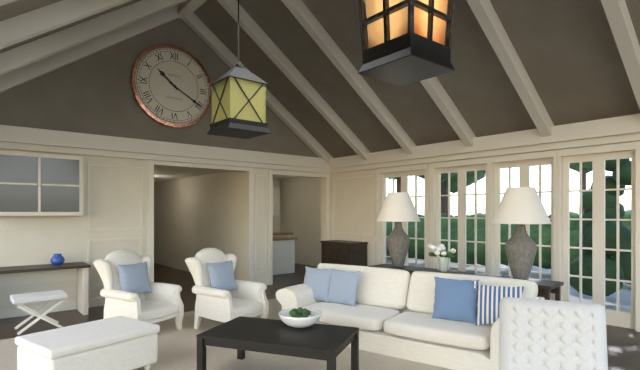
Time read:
10.20
